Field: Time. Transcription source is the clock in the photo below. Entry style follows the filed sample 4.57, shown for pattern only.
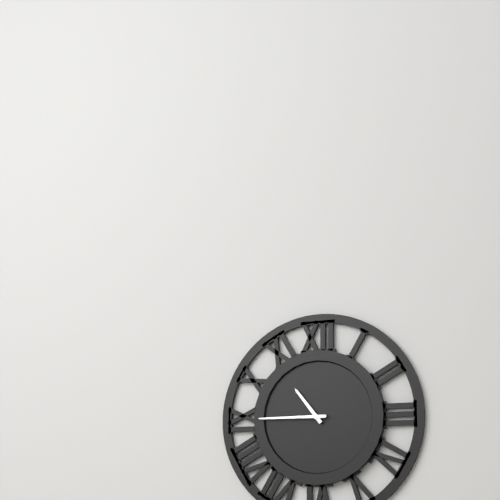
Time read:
10.45
